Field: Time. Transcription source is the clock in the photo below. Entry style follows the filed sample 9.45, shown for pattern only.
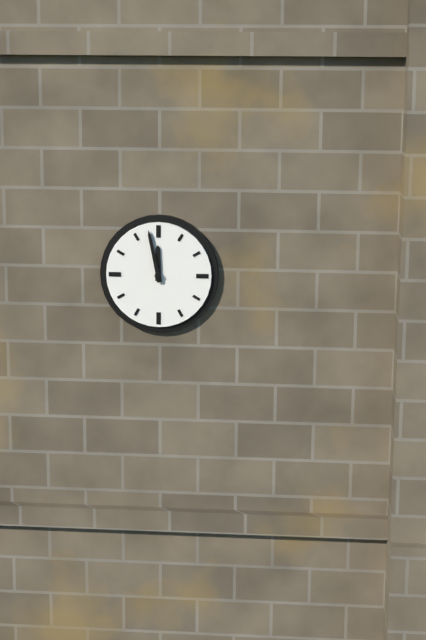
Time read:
11.58
